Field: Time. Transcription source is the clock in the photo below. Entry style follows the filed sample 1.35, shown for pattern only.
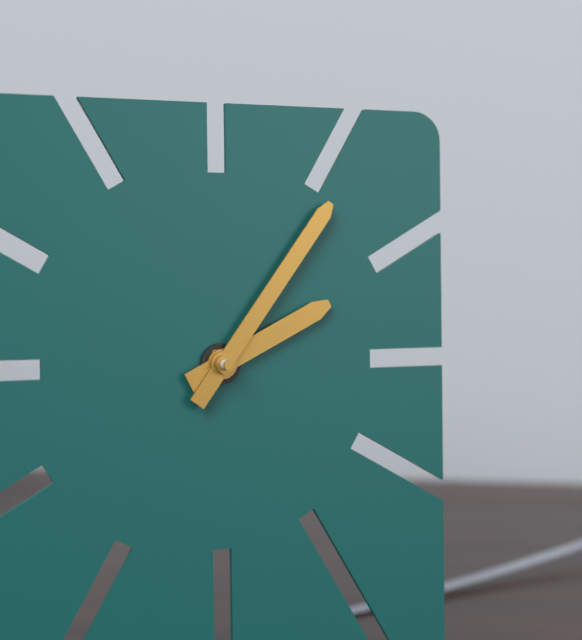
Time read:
2.06
